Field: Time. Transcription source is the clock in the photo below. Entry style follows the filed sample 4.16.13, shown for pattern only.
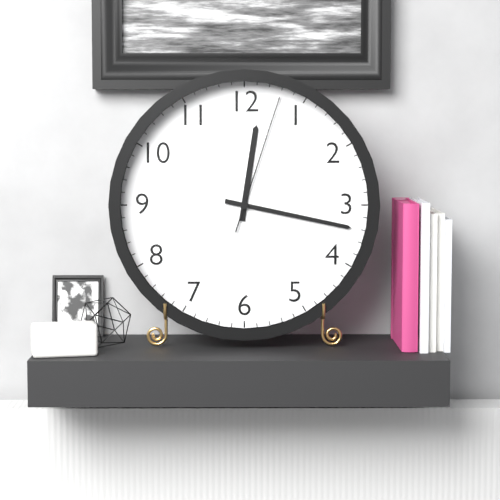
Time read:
12.17.03
